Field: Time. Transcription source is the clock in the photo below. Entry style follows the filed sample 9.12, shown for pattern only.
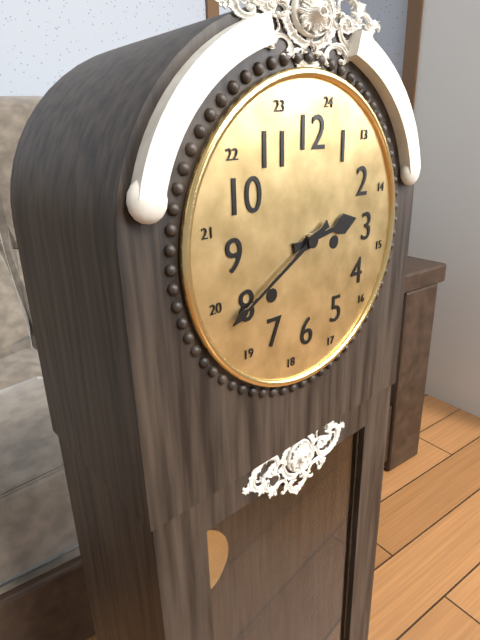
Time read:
2.40
